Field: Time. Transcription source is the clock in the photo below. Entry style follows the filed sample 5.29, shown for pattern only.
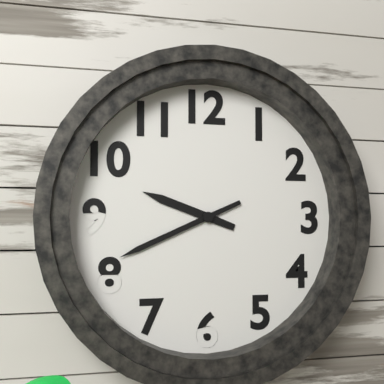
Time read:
9.41
